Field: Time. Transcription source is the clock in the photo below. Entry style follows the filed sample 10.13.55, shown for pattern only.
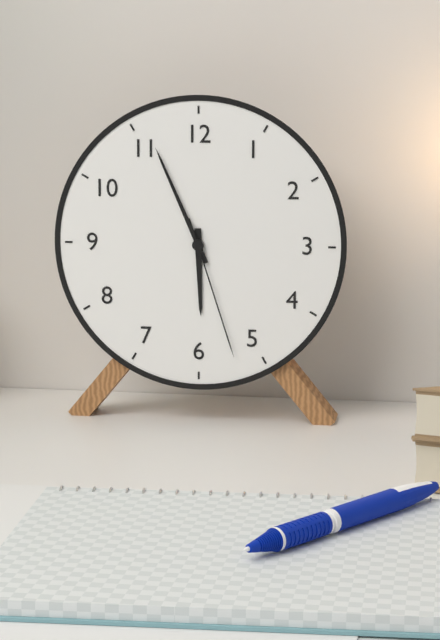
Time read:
5.56.27
